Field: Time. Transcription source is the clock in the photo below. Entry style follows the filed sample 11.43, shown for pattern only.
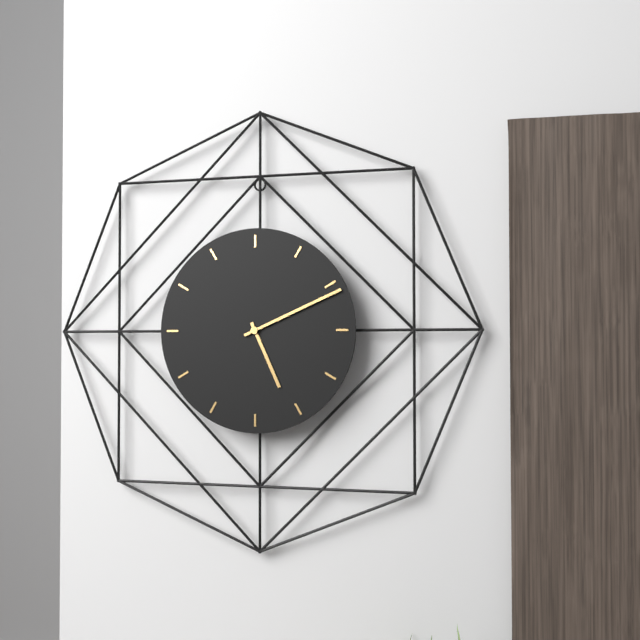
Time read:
5.11
